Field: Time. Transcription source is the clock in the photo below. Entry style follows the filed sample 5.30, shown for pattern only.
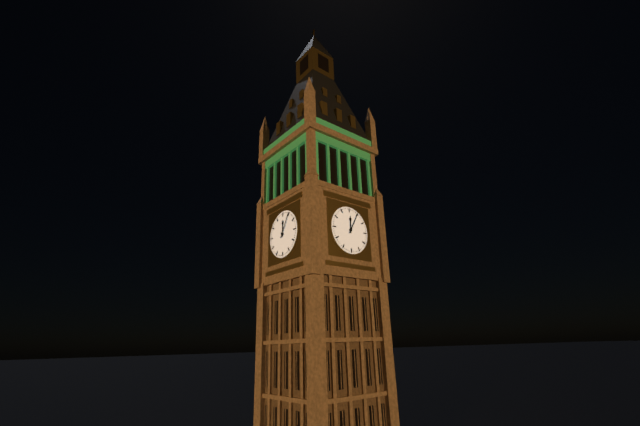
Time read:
12.05
